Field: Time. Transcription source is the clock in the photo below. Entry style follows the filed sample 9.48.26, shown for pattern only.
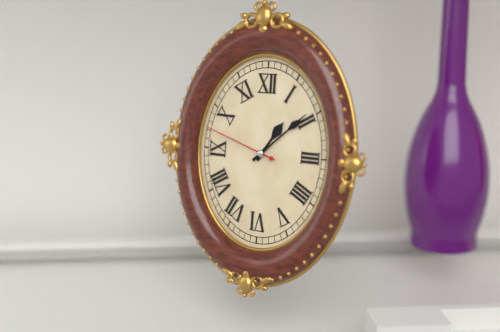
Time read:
1.08.48
